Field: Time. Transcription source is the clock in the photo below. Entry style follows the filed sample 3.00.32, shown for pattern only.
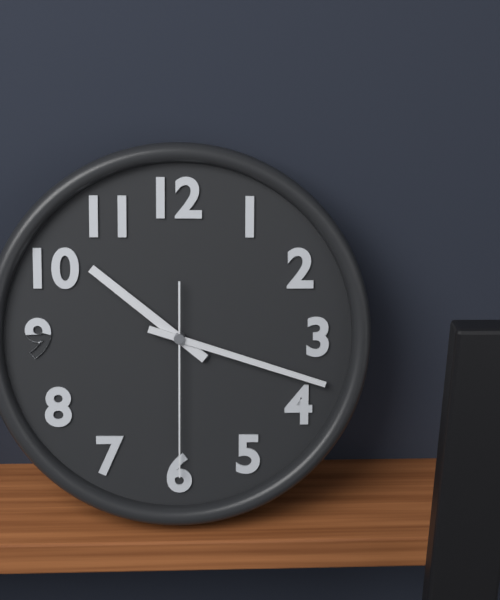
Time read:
10.18.30
